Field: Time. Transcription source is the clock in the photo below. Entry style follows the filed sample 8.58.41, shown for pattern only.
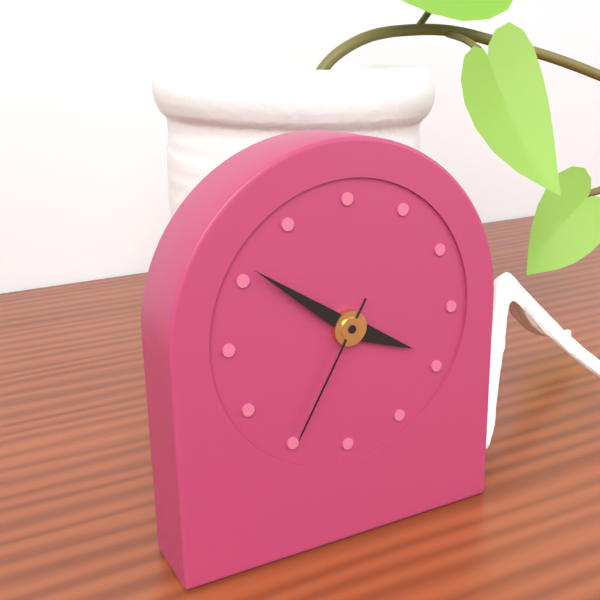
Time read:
3.51.35
